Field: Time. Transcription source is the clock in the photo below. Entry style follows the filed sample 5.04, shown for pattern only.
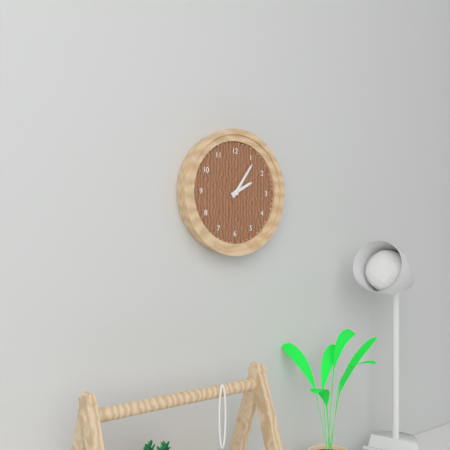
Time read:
2.06
